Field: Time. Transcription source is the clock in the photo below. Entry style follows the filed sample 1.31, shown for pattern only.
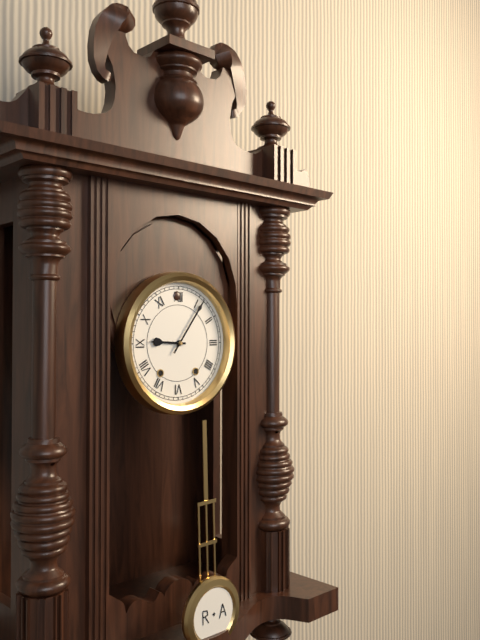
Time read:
9.06
